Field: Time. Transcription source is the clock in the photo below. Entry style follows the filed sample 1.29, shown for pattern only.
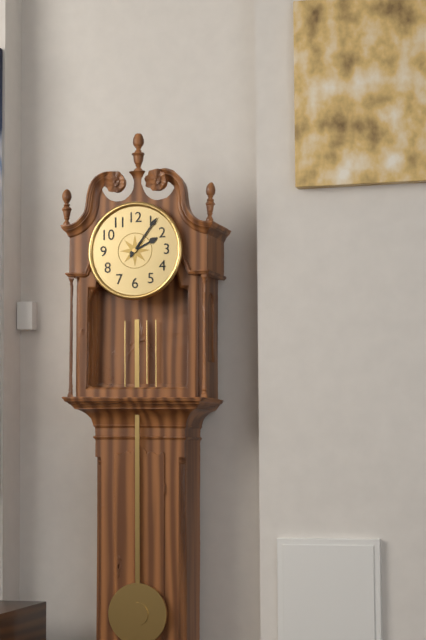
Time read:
2.06
